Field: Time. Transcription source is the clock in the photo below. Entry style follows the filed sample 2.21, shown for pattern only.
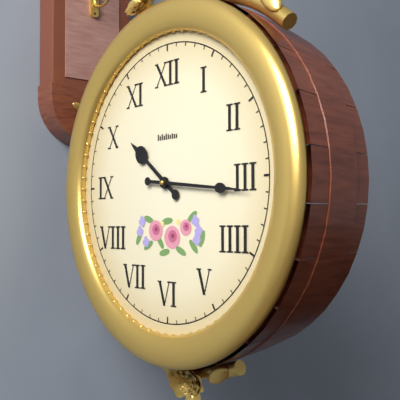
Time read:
10.16
